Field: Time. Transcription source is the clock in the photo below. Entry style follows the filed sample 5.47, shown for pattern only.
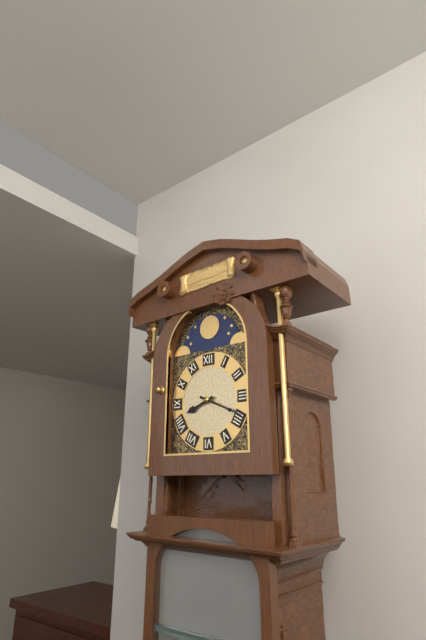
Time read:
8.19
